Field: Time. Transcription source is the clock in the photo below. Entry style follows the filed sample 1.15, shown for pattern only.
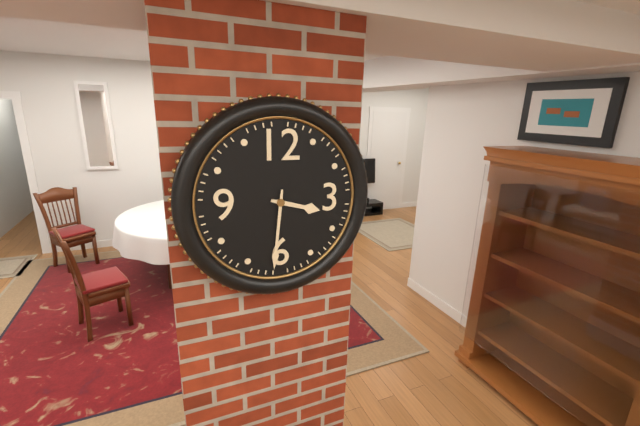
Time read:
3.31
